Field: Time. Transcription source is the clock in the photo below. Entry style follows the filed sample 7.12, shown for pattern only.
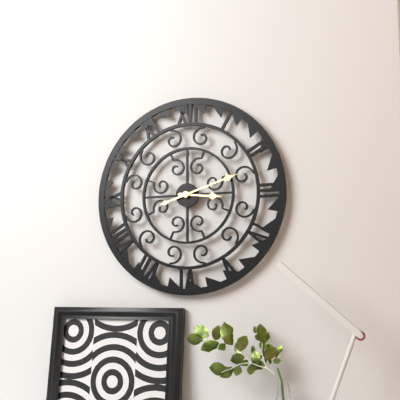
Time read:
3.12
